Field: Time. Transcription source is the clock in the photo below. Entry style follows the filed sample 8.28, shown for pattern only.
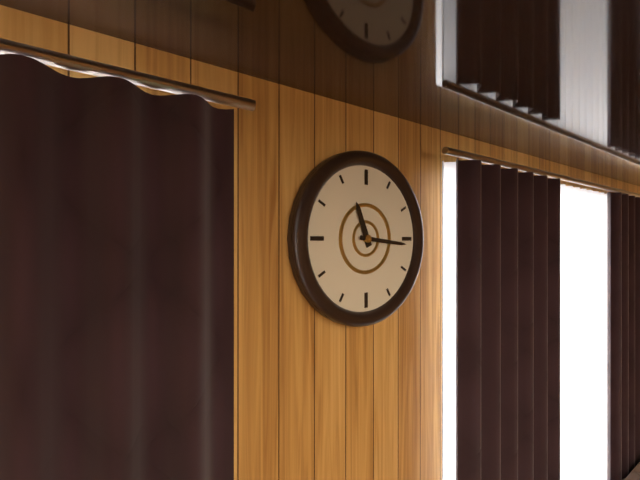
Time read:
11.16
